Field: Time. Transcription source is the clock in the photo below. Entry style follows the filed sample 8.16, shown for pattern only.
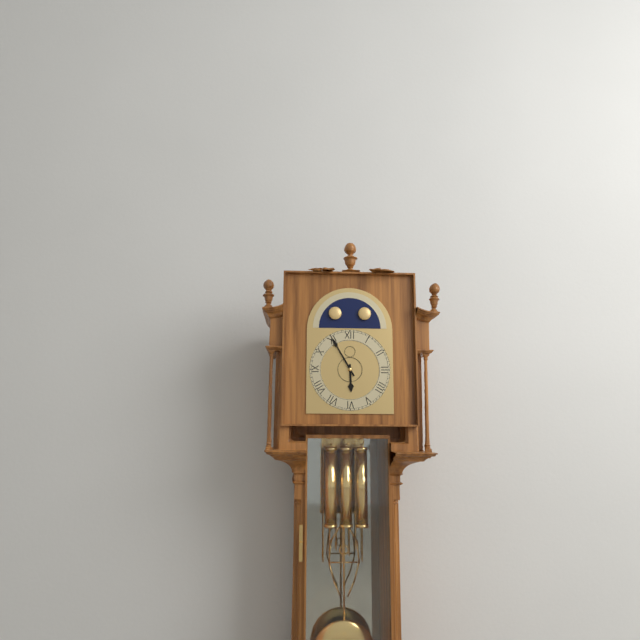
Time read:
5.55
